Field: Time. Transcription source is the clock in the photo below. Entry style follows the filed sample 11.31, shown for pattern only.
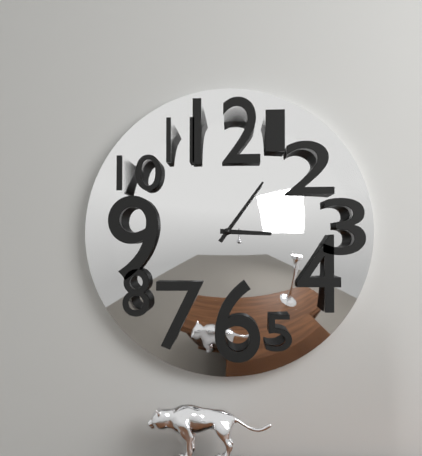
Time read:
3.06
